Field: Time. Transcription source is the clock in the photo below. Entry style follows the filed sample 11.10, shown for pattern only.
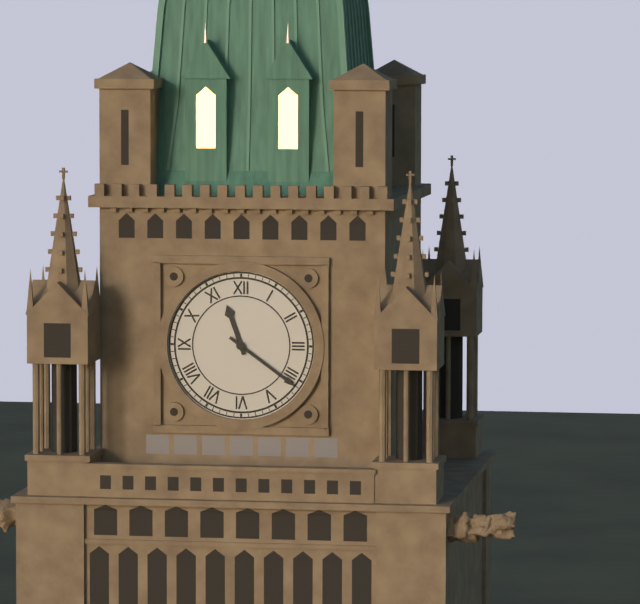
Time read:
11.21
